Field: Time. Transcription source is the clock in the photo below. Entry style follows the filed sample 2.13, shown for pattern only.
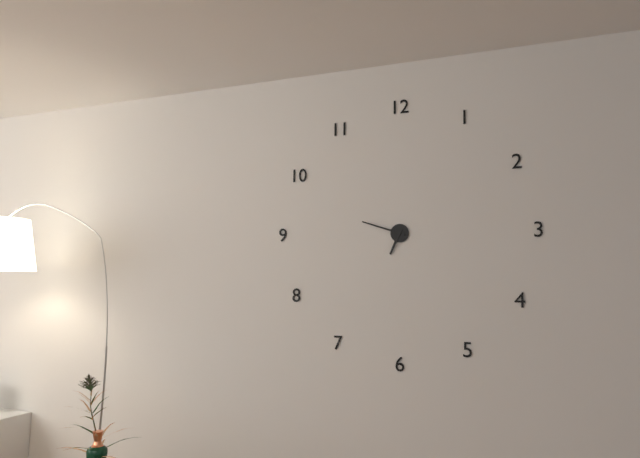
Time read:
6.48
